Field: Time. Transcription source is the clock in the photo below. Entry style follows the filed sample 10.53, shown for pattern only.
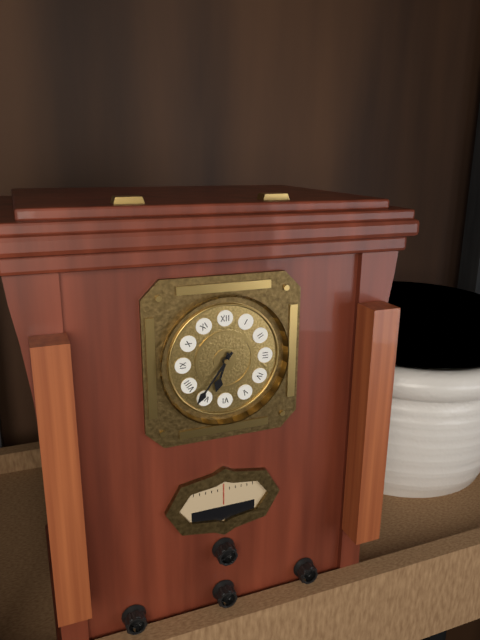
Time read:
6.36
